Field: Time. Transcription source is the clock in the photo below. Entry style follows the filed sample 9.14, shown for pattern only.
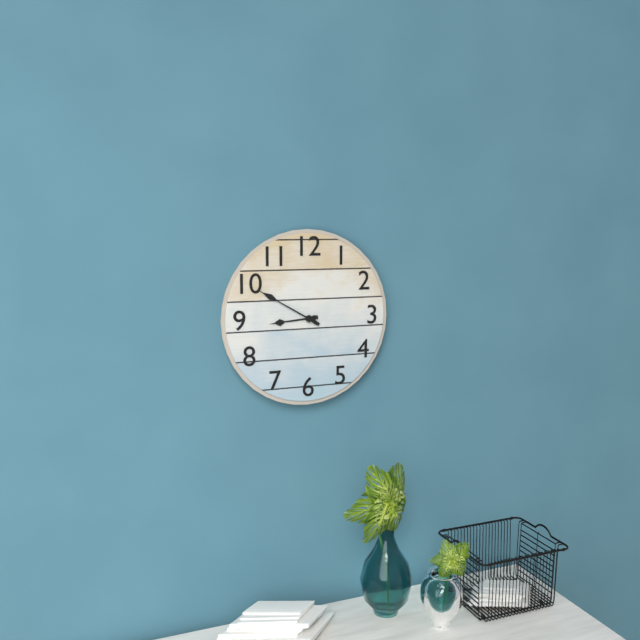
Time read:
8.50
